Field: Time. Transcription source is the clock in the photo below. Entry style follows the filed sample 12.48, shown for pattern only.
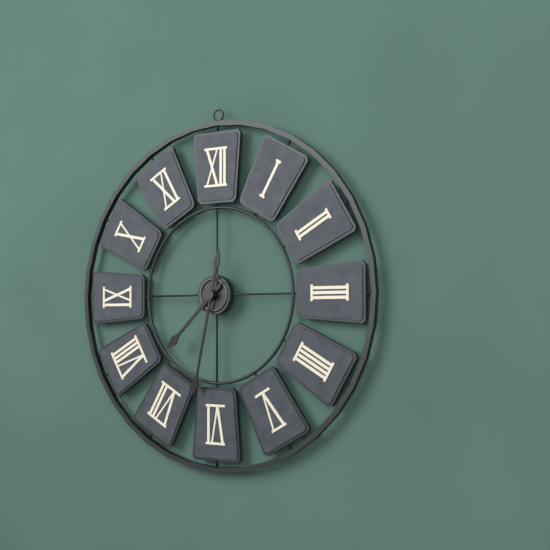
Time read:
7.32
